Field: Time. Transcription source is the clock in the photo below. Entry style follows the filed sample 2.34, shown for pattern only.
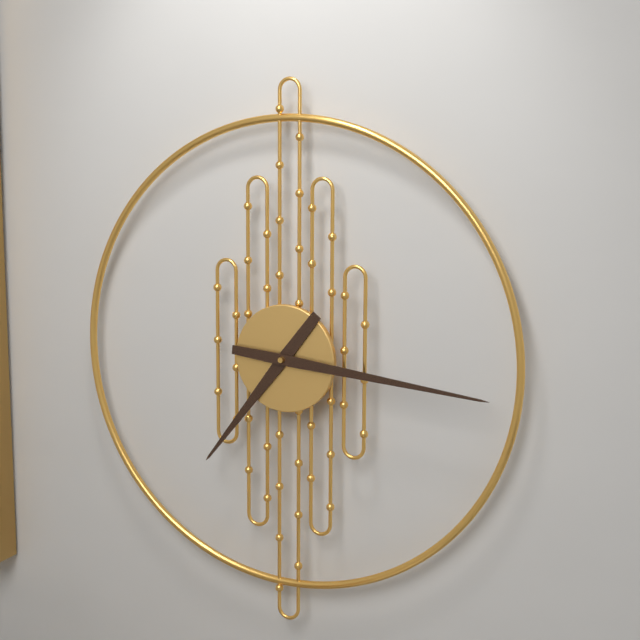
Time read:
7.16
